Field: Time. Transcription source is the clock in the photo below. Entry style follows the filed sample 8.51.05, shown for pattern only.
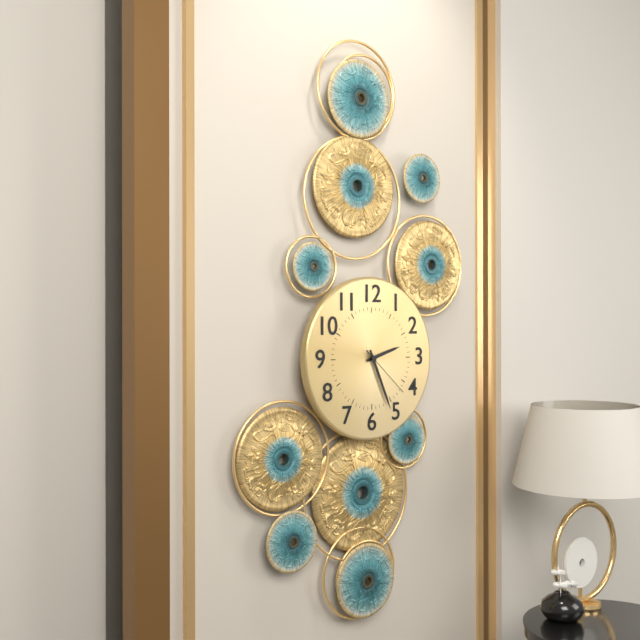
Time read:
2.26.22
